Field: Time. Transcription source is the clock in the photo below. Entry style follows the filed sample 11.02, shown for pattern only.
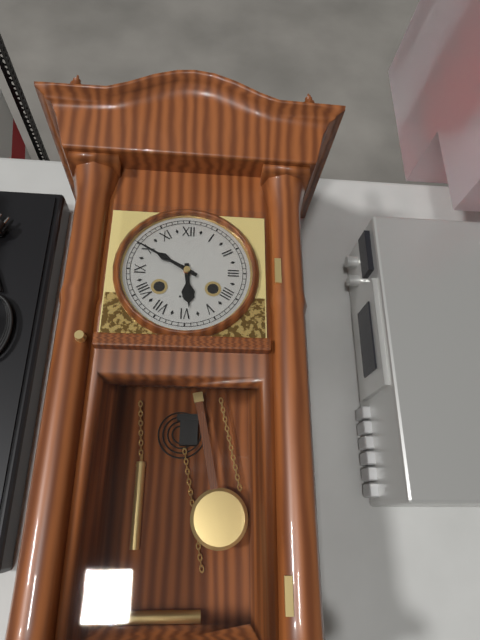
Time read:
5.50
